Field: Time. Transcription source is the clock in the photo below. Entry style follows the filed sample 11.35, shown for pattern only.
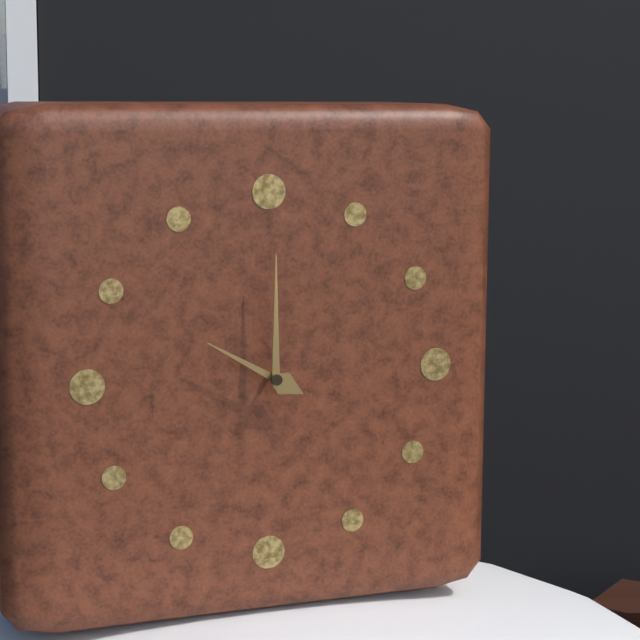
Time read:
10.00
